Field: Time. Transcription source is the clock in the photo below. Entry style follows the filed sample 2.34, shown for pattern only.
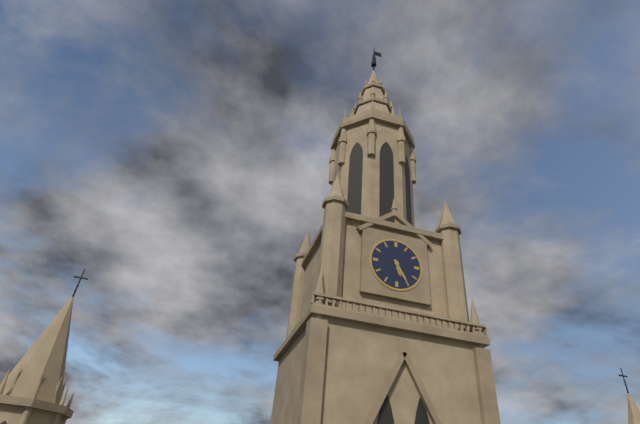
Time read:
5.25
